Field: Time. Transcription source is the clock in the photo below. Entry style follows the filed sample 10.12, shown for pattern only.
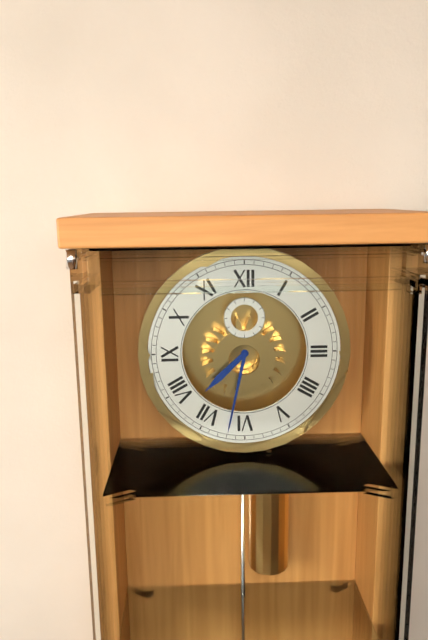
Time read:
7.32
